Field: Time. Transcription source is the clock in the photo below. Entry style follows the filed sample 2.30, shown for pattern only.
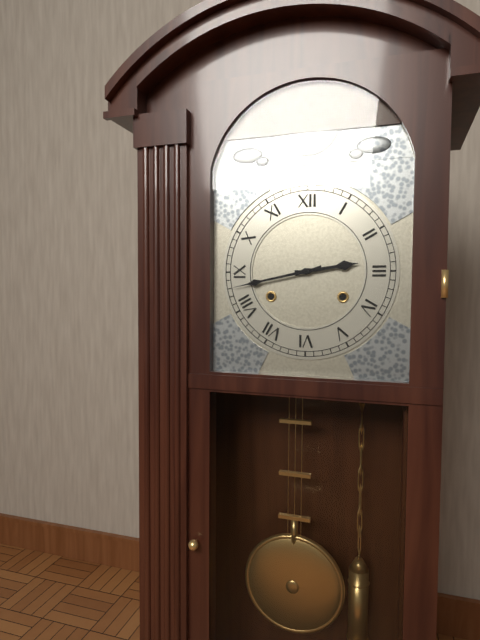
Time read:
2.43
